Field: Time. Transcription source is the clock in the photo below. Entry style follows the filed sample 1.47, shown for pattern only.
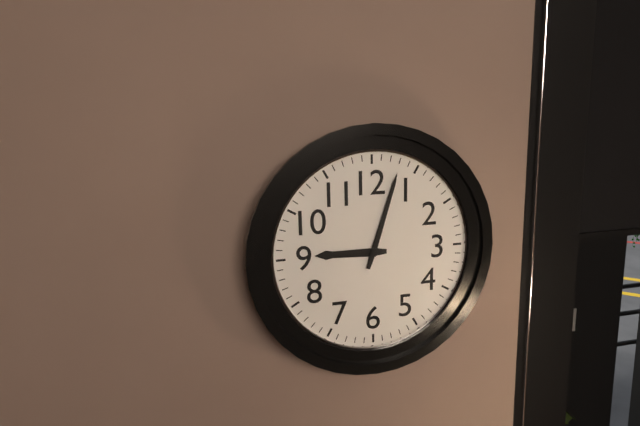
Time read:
9.03
